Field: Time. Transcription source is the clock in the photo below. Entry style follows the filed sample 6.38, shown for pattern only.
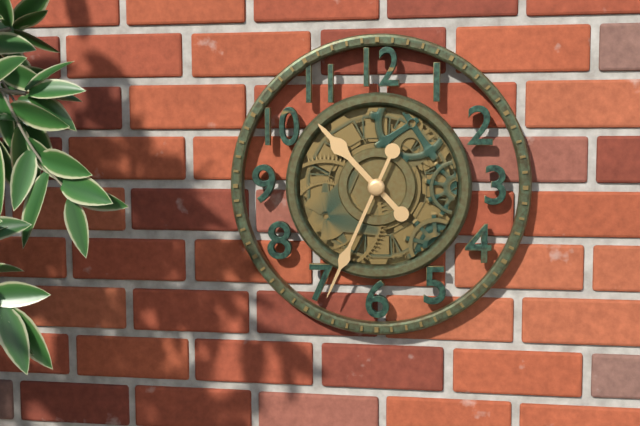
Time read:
10.34
